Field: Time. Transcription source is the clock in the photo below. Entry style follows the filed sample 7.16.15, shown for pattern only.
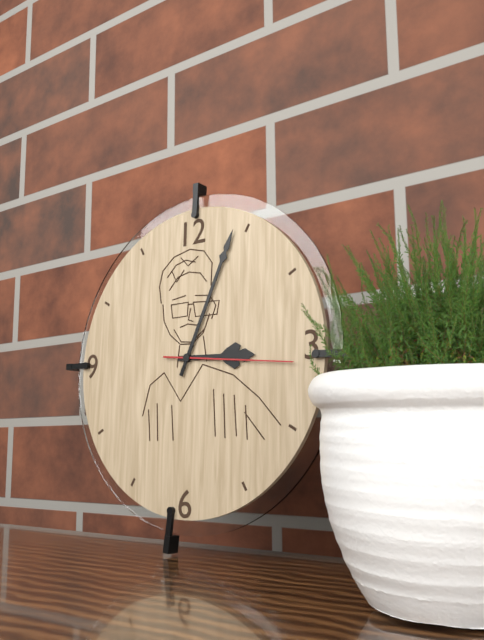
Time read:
3.04.16
